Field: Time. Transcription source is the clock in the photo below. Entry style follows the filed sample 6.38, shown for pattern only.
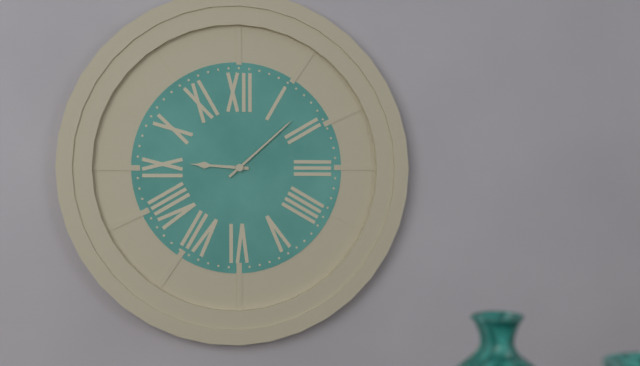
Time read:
9.08
